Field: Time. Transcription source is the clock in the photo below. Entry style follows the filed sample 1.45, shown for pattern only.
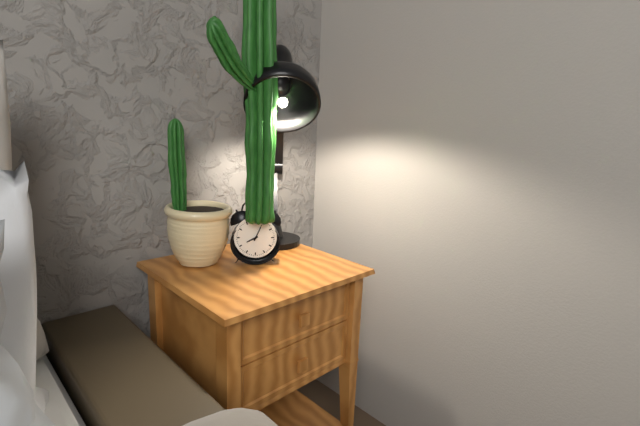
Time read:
8.04
